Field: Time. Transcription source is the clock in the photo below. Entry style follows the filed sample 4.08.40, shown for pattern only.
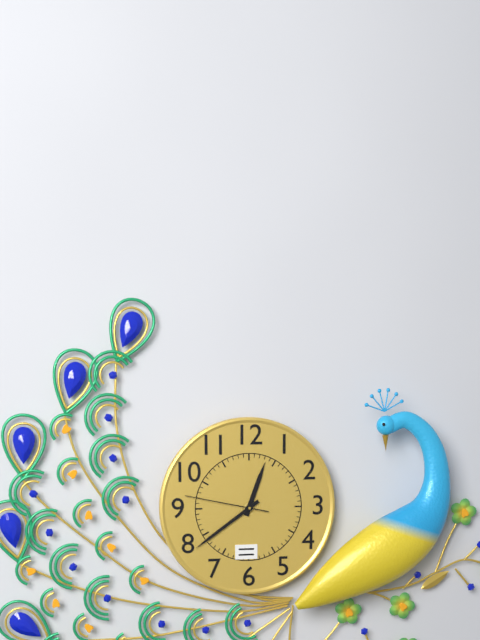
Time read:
12.39.47
